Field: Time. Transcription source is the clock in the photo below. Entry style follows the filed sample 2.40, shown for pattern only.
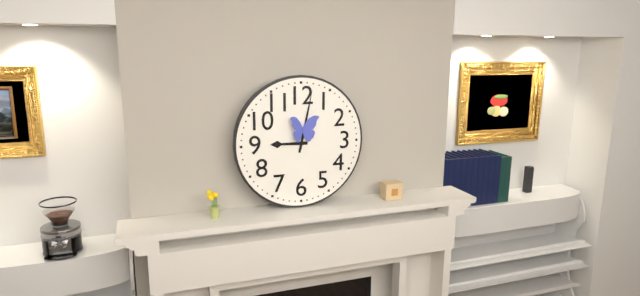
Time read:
9.02
